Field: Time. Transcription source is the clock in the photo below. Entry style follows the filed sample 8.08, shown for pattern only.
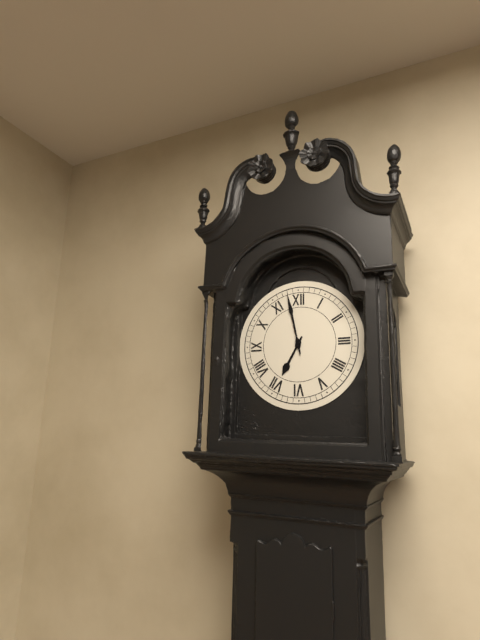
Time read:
6.58
